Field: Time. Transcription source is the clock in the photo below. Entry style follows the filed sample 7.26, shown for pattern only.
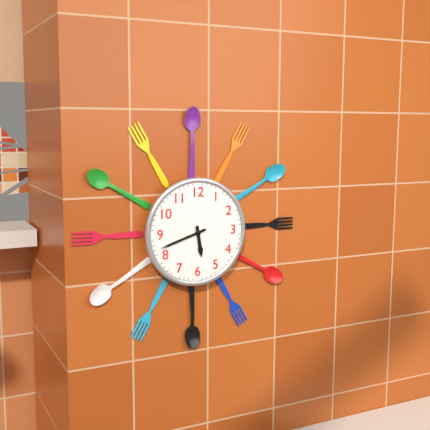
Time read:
5.42
